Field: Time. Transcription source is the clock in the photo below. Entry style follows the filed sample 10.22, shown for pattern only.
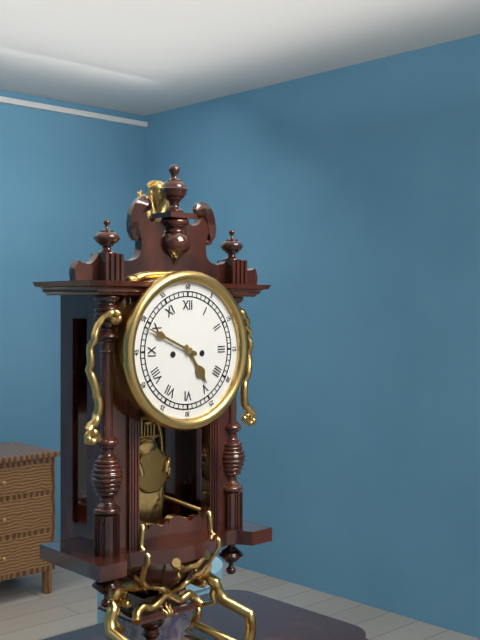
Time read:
4.49
